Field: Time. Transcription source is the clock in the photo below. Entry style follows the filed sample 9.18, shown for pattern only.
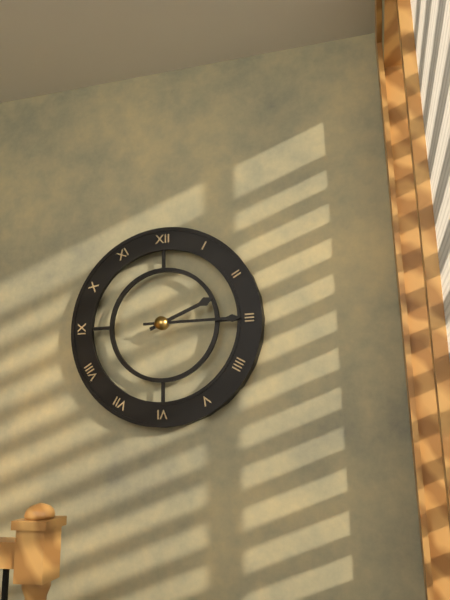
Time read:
2.15
